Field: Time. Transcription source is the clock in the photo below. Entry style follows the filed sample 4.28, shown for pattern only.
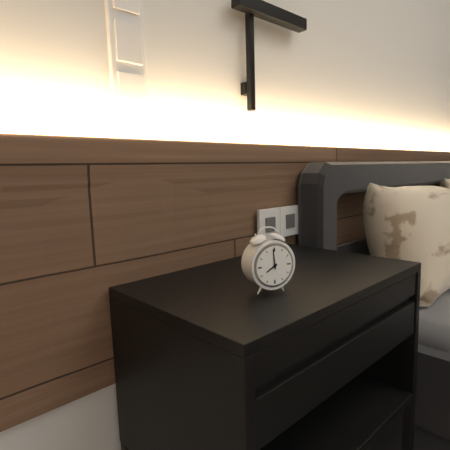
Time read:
7.59
